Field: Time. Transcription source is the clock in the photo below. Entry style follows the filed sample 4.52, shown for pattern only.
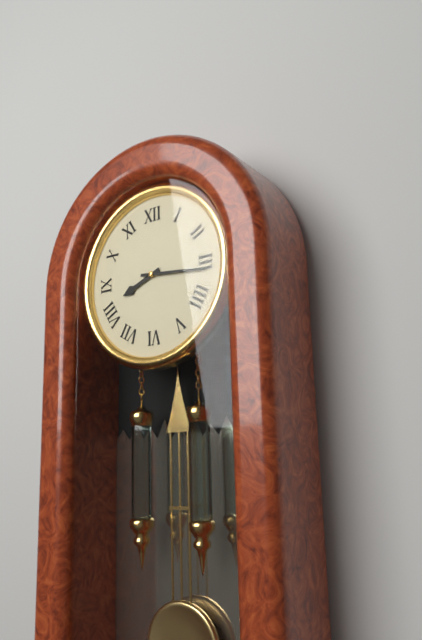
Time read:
8.16
